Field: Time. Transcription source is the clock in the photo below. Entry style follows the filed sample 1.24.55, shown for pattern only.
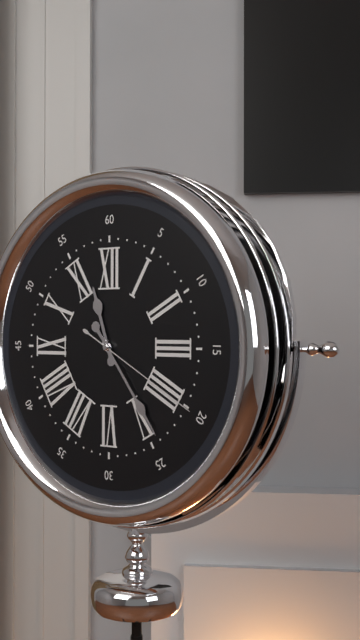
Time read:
11.24.20
